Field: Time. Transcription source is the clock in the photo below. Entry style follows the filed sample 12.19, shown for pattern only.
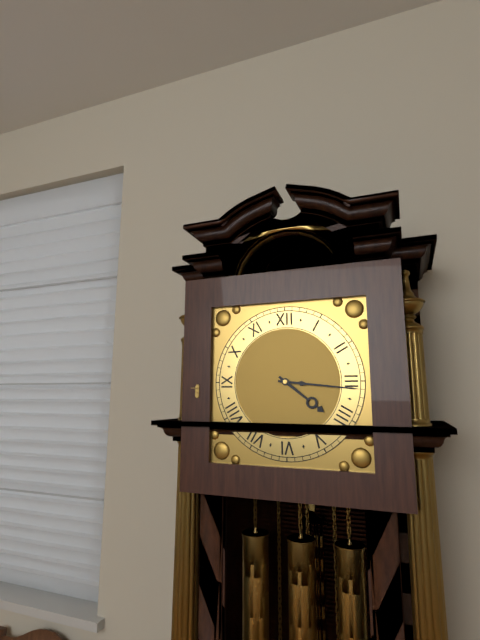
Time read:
4.16
